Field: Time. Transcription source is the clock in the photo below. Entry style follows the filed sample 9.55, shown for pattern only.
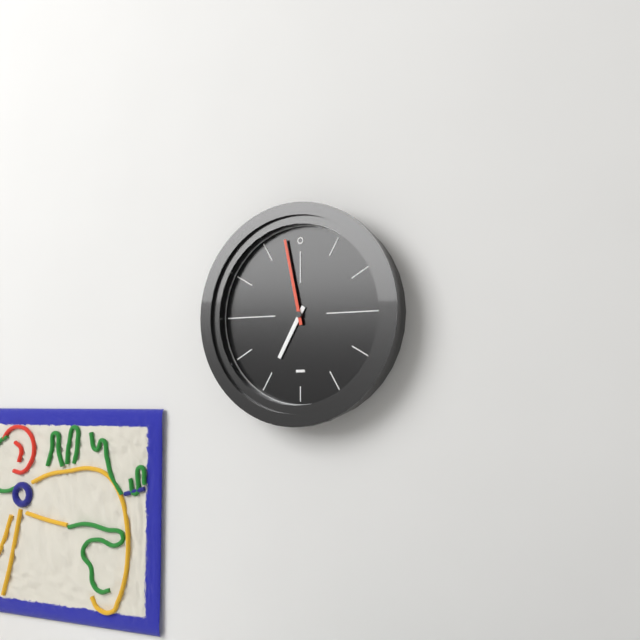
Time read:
6.58
